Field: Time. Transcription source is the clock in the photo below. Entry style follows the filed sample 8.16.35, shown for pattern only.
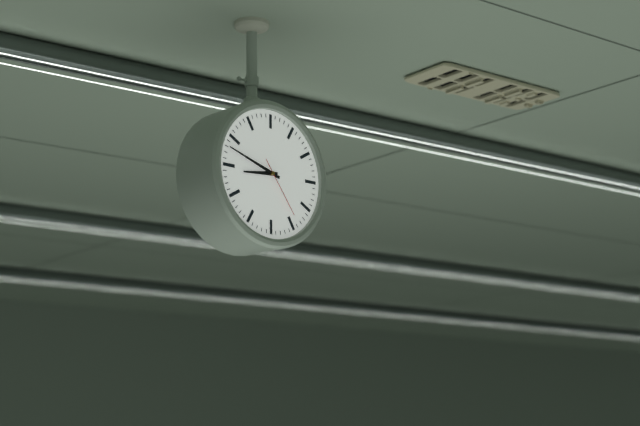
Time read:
8.48.24
